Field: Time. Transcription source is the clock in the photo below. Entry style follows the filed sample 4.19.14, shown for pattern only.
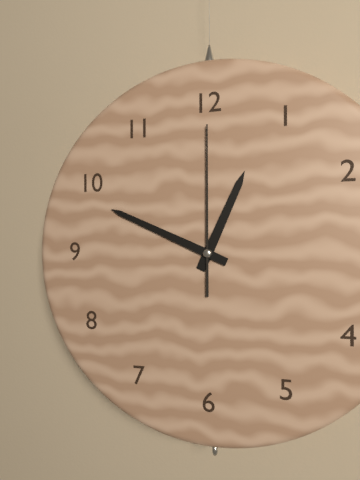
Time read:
12.49.00
